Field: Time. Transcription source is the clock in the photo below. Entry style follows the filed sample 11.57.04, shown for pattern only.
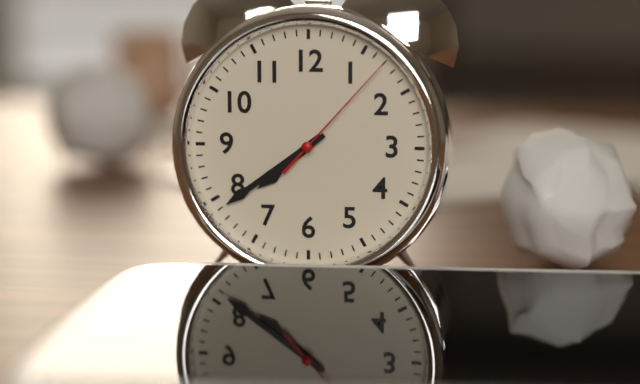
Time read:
7.39.07
